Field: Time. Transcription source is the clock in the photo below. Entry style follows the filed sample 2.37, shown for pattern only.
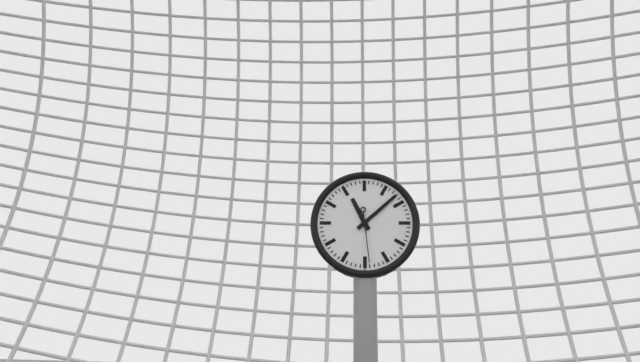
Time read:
11.08
